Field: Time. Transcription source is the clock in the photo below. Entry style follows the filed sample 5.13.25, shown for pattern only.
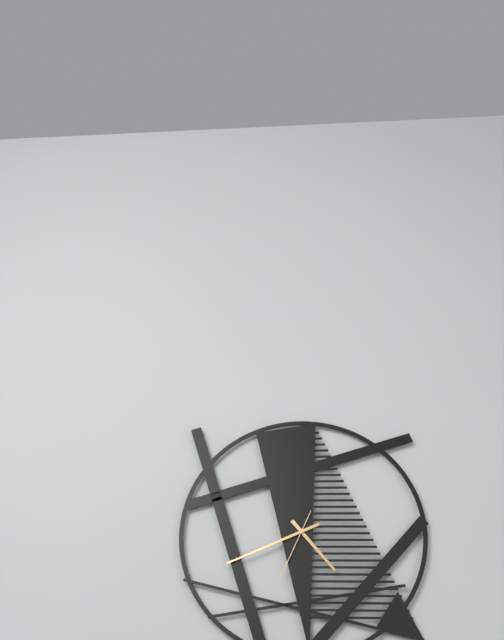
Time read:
4.41.34
